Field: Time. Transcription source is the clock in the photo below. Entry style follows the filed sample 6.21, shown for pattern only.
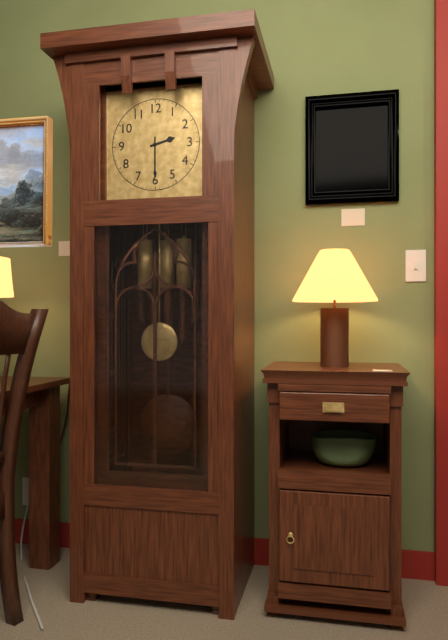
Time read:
2.30
